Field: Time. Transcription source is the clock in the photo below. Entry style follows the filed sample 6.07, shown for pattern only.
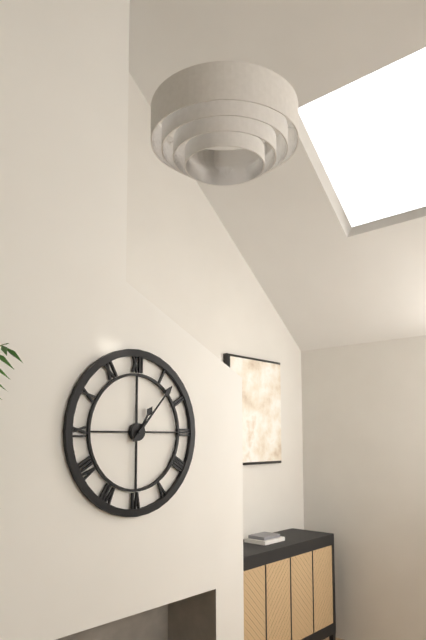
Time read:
1.07
